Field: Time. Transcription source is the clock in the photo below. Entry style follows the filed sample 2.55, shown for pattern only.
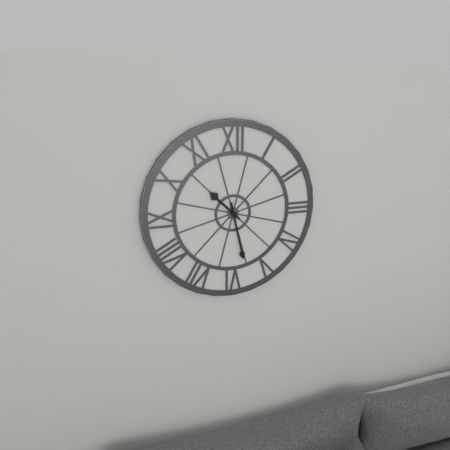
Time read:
10.28
